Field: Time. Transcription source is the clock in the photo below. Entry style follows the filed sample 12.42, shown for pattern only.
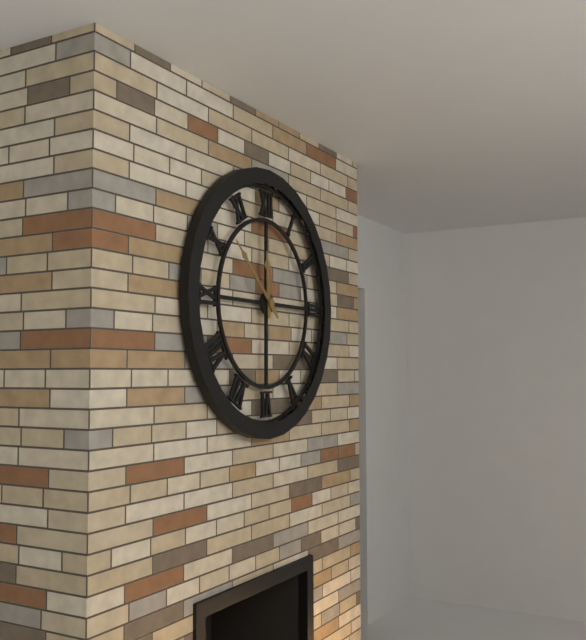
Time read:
11.52
